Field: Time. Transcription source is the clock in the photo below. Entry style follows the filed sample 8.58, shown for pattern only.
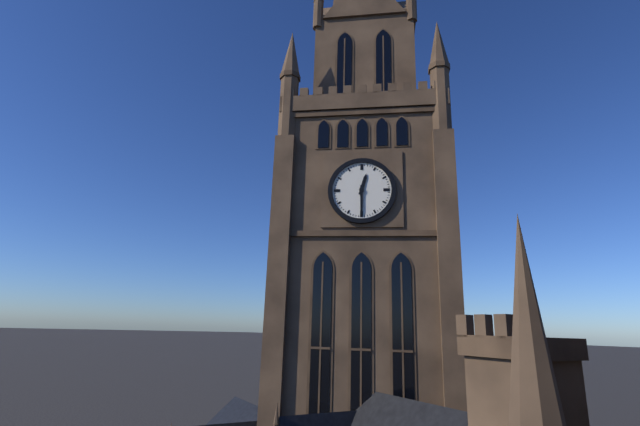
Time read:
12.30
